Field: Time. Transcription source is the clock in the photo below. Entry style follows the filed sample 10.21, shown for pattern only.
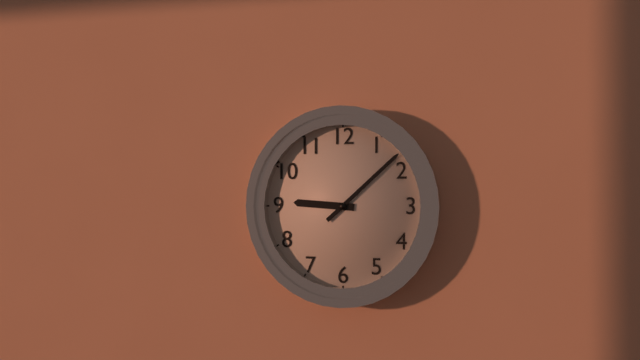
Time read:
9.08
